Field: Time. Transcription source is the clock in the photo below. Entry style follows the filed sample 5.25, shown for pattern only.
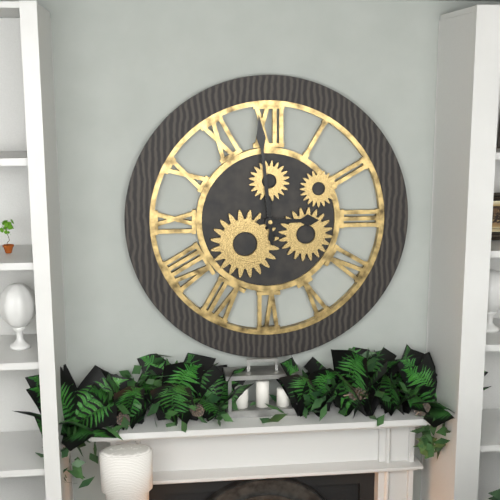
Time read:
2.59
